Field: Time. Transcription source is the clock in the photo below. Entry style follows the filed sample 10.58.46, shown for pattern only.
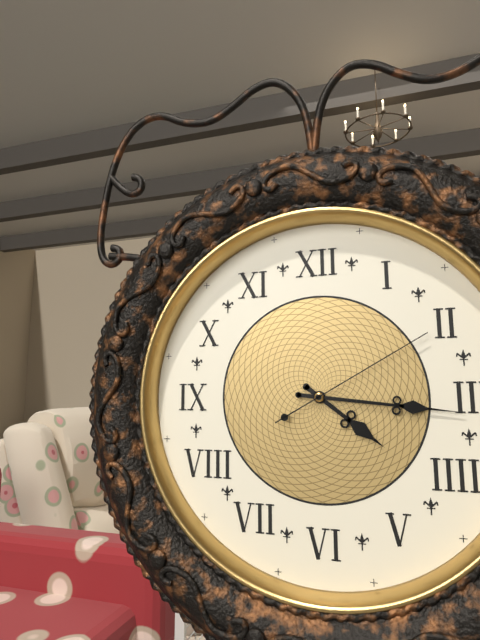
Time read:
4.16.10
